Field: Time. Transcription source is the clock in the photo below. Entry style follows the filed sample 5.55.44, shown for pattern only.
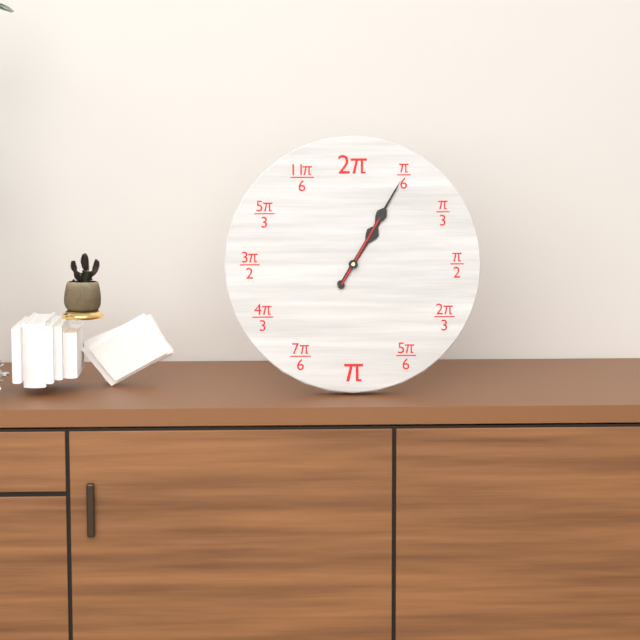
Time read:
1.05.05
